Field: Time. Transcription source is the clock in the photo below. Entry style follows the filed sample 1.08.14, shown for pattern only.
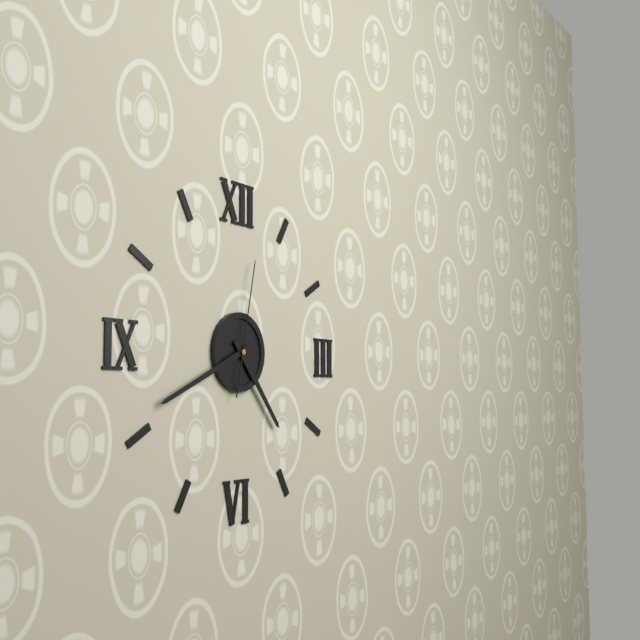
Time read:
4.41.02
